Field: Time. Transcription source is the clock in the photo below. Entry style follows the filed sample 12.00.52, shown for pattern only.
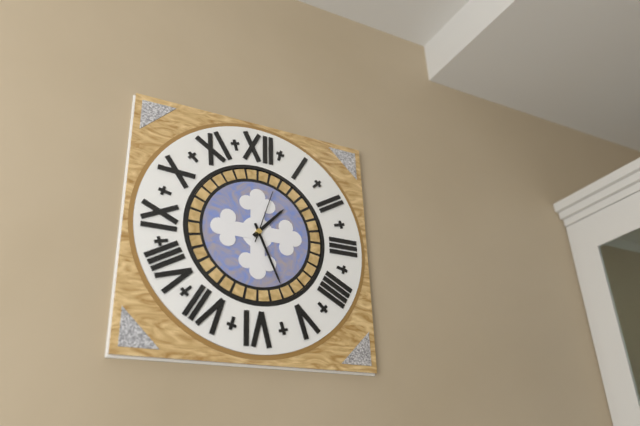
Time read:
1.26.03
